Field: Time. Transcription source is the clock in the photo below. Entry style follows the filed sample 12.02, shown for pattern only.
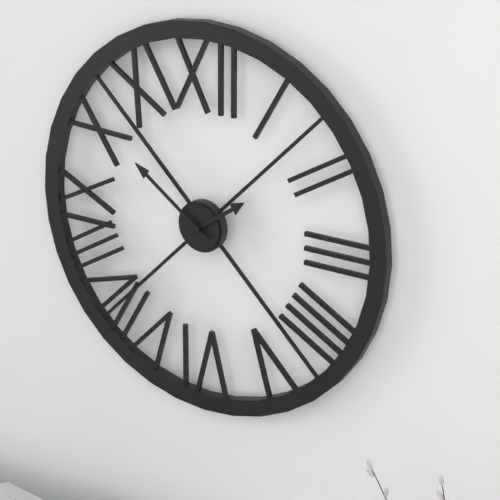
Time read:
1.51
